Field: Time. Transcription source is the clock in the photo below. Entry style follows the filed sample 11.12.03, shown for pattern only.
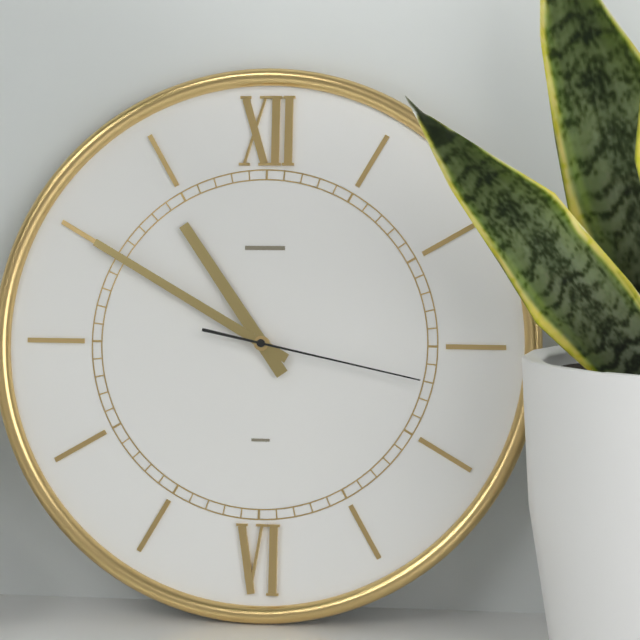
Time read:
10.50.17
